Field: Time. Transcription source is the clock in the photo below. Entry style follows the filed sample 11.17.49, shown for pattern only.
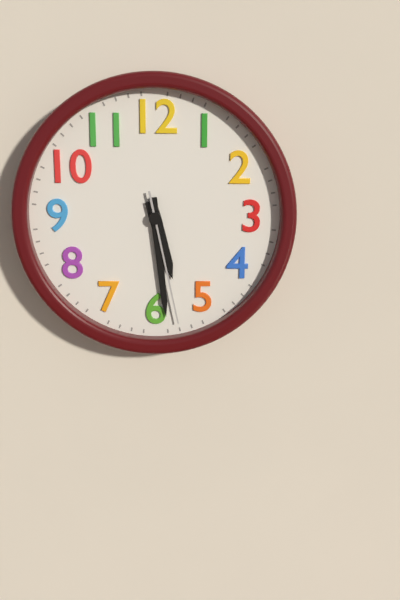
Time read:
5.29.28
